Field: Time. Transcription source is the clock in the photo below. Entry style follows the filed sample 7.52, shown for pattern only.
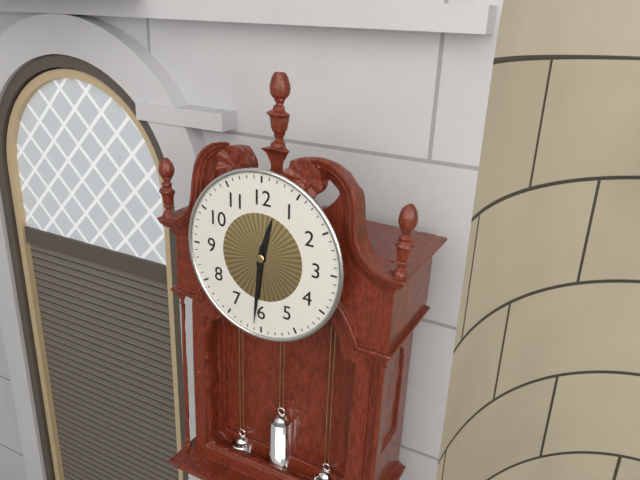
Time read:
12.31
